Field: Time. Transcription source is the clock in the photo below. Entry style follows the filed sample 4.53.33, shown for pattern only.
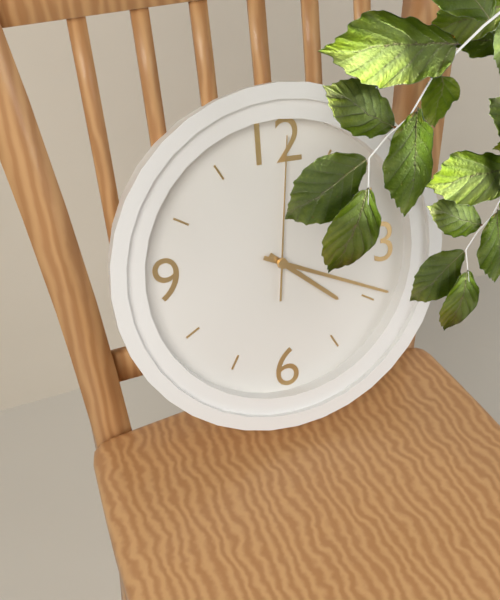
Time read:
4.19.01
